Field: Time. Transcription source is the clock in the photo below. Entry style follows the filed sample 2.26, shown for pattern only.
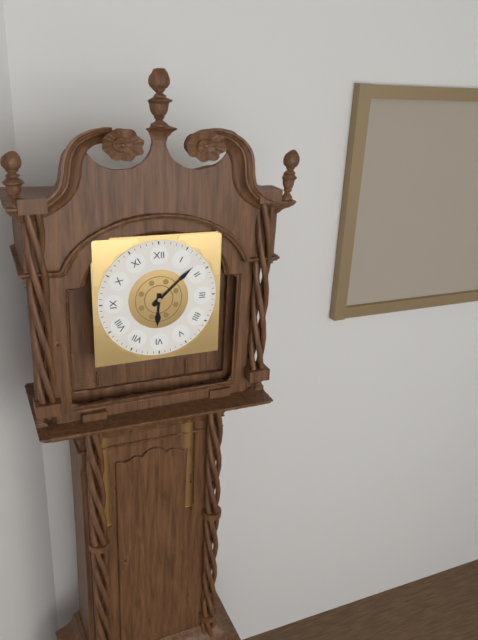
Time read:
6.08
